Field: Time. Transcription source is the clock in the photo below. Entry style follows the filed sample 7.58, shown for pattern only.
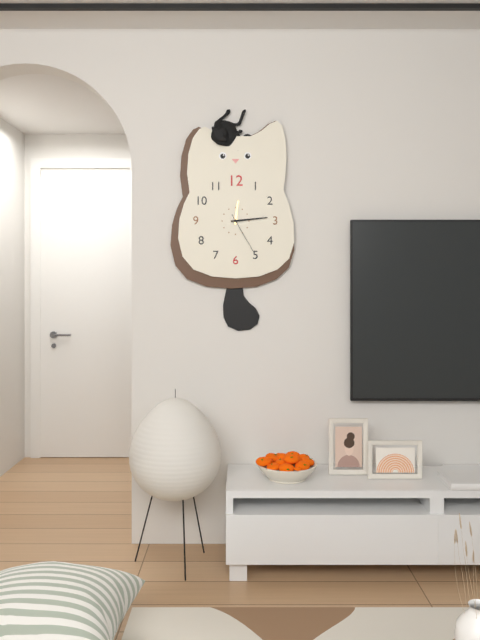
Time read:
12.14
